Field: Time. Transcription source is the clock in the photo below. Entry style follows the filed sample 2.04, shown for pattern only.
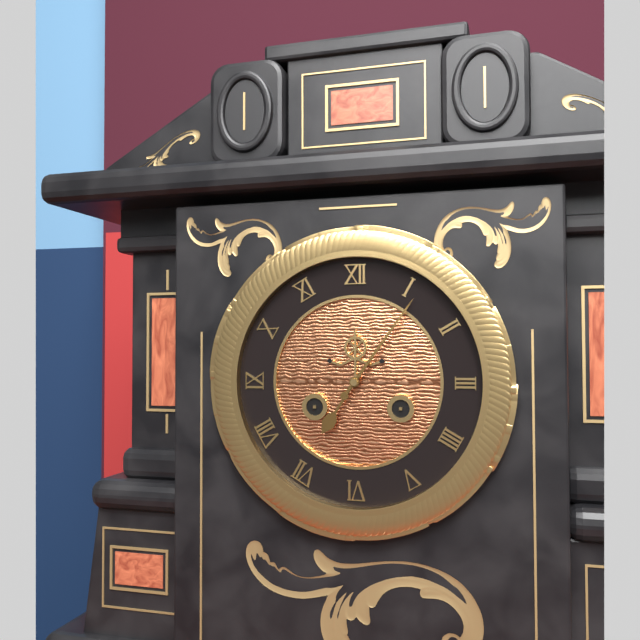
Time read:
7.06
